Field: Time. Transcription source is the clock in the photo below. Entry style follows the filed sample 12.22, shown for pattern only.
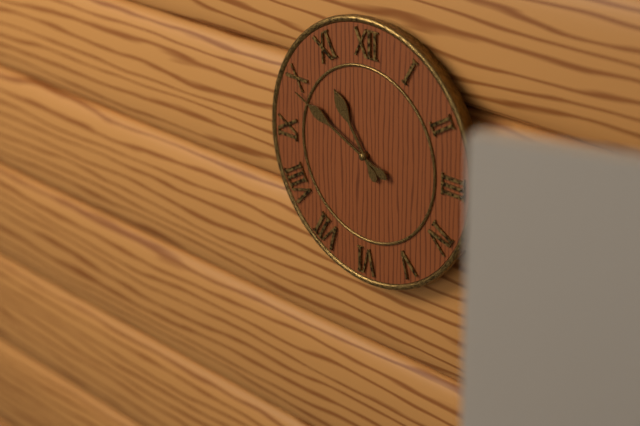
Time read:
10.49
